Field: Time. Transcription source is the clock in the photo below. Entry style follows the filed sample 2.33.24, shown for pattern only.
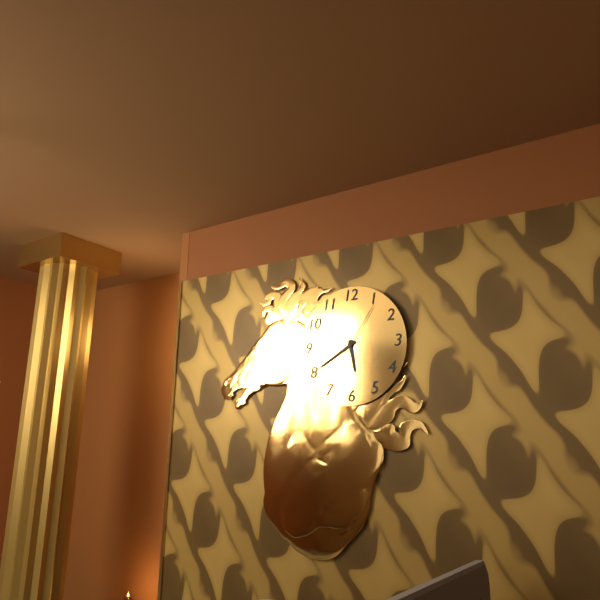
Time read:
5.40.06
